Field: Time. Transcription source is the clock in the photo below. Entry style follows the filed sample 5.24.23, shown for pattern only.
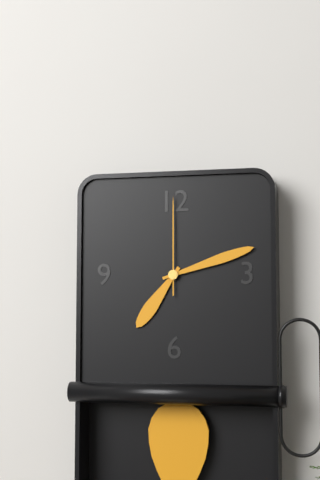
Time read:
7.12.00
